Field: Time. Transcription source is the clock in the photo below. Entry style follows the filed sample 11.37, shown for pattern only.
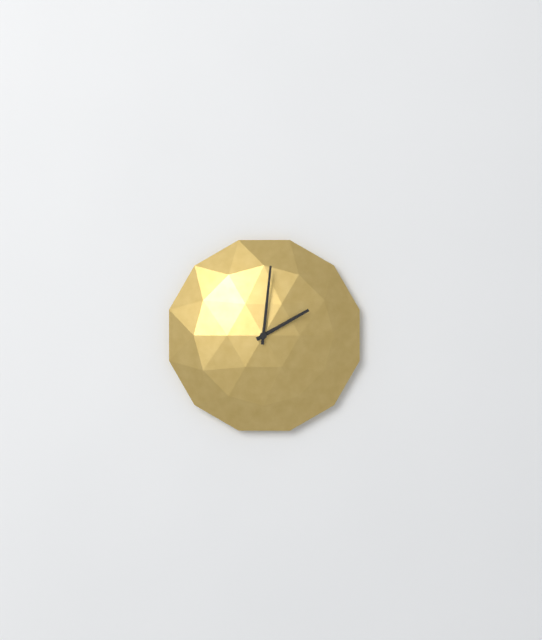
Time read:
2.01
